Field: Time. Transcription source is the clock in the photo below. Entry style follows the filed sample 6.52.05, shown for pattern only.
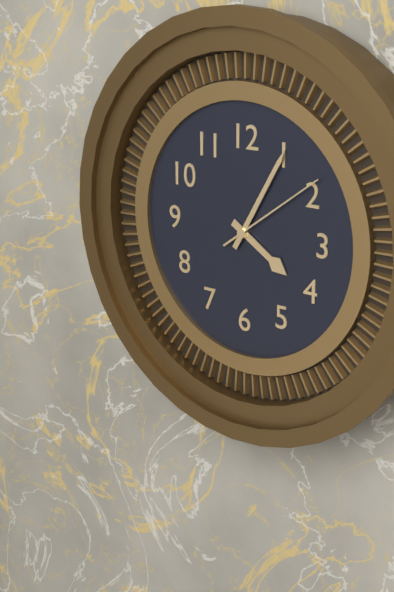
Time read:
4.05.09
